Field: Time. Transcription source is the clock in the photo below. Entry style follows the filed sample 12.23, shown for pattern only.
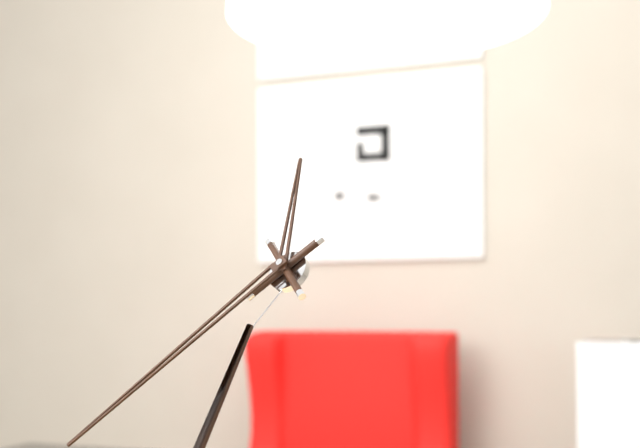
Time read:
11.37
